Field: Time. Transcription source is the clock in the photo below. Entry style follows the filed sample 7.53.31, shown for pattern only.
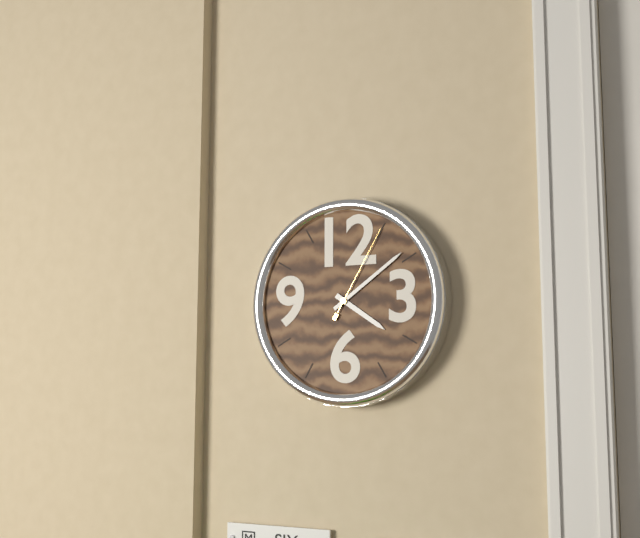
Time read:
4.09.05
